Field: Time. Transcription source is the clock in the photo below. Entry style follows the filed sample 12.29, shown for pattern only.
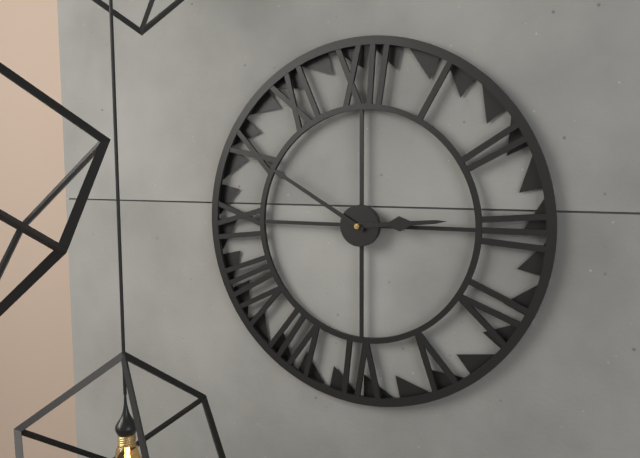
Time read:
2.50
